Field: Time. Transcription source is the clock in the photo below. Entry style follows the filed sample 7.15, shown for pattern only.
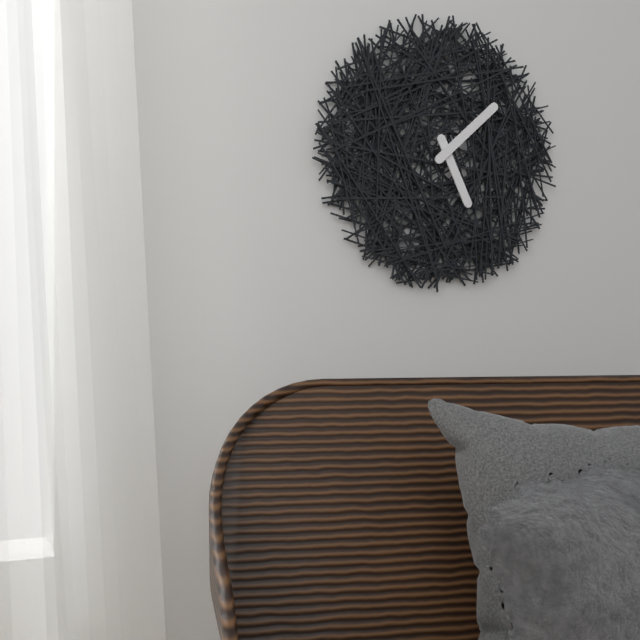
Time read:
5.08
